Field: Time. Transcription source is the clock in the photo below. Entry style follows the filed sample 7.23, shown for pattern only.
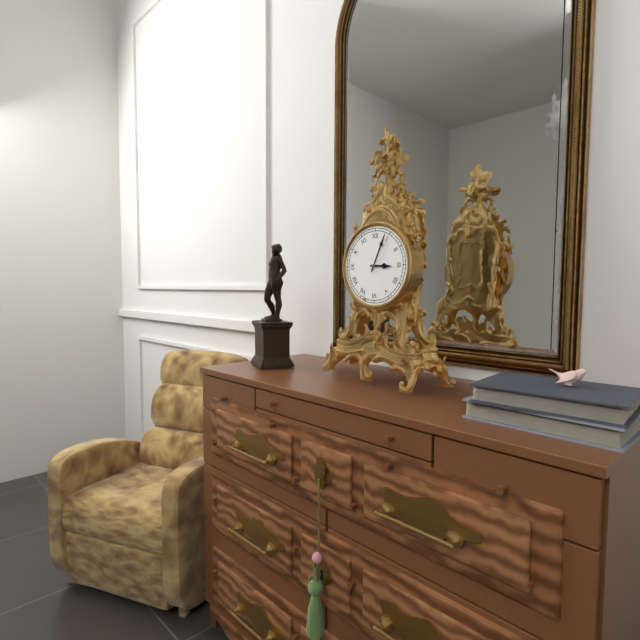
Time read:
3.04
